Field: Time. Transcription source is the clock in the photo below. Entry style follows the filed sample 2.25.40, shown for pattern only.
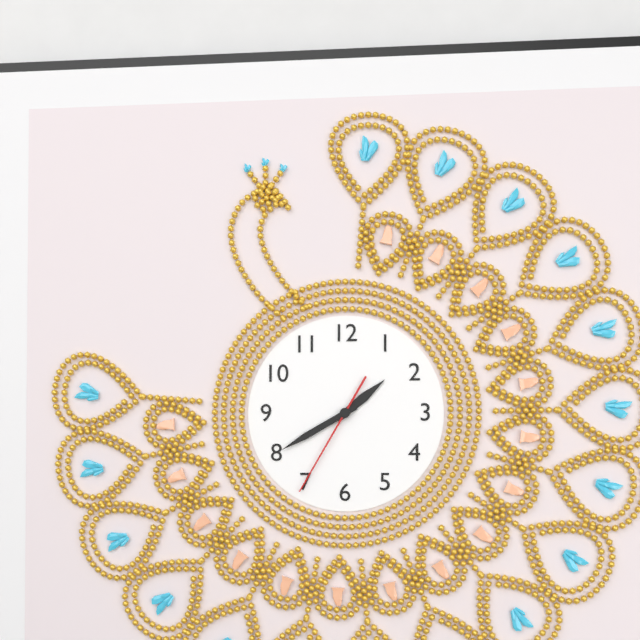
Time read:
1.40.35
